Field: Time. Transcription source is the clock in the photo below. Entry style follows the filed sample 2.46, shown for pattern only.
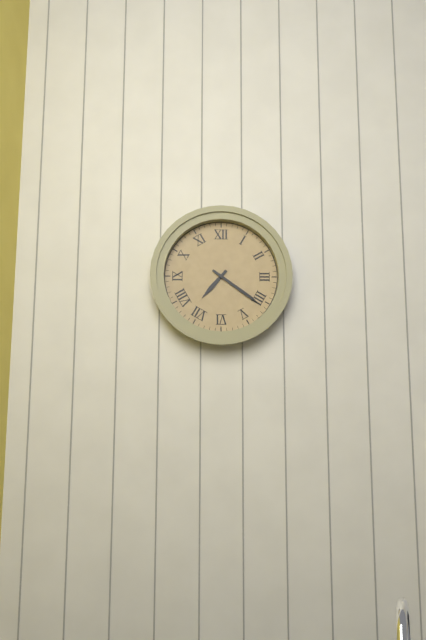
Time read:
7.21
